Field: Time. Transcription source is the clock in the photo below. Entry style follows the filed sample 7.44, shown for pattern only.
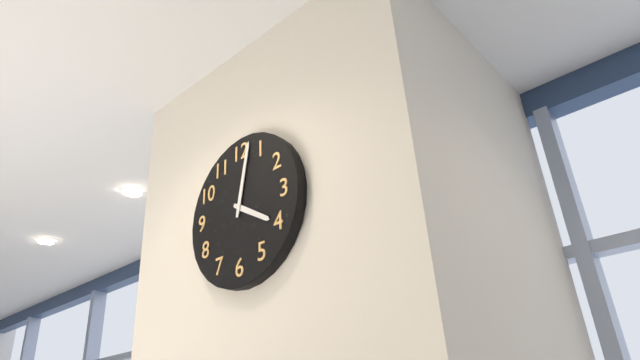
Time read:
4.02
